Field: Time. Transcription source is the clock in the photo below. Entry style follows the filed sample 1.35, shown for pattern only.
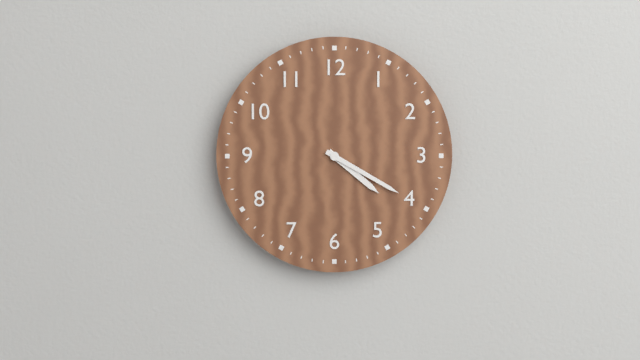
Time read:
4.20
